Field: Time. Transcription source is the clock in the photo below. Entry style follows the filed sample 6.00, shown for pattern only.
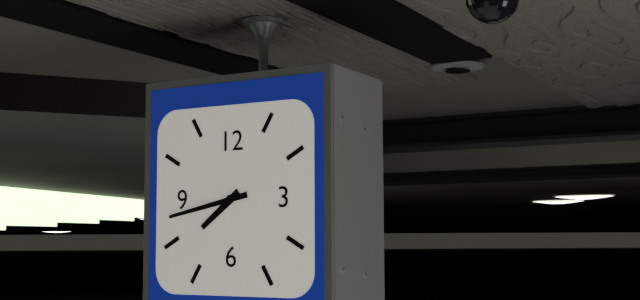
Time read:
7.43
